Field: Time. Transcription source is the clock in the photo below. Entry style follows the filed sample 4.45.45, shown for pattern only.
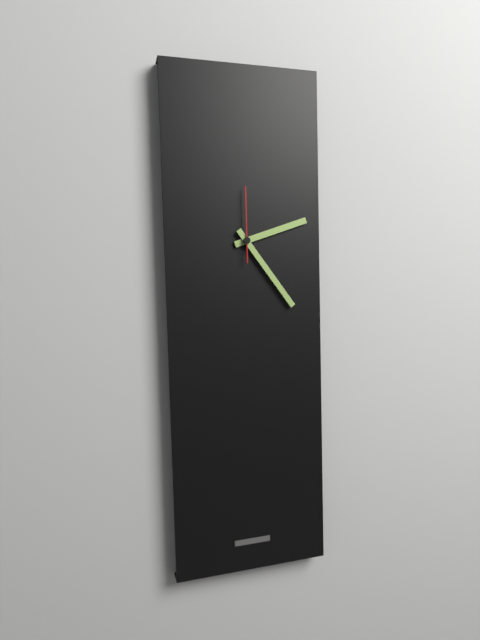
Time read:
2.24.00
